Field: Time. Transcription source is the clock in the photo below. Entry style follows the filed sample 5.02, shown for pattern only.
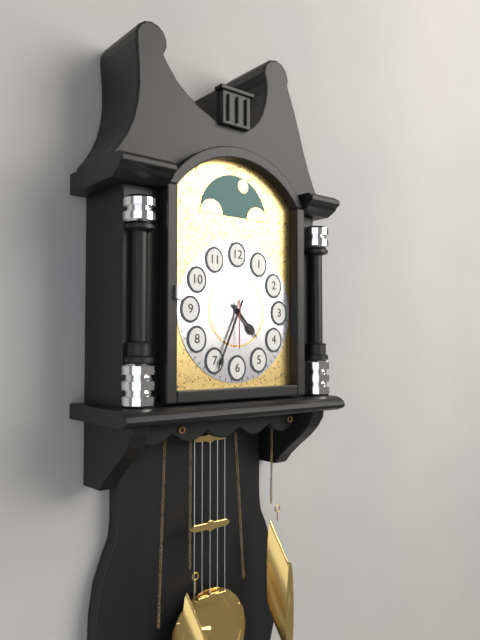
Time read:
4.34
